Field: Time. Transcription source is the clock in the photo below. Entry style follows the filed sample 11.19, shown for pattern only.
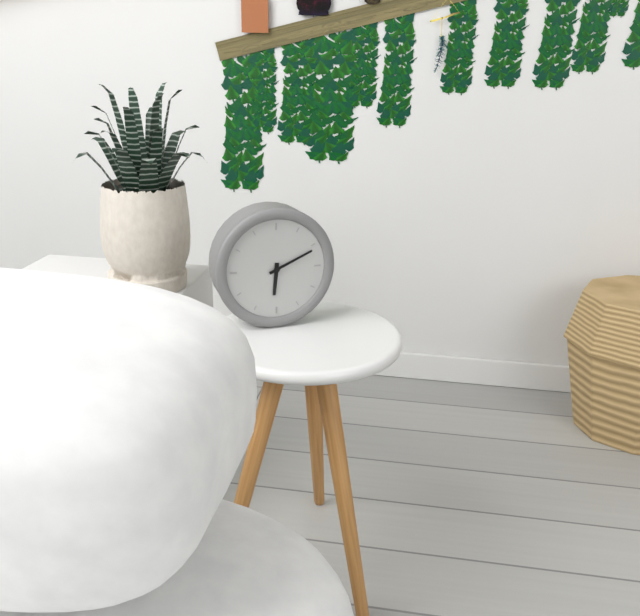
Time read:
6.11
